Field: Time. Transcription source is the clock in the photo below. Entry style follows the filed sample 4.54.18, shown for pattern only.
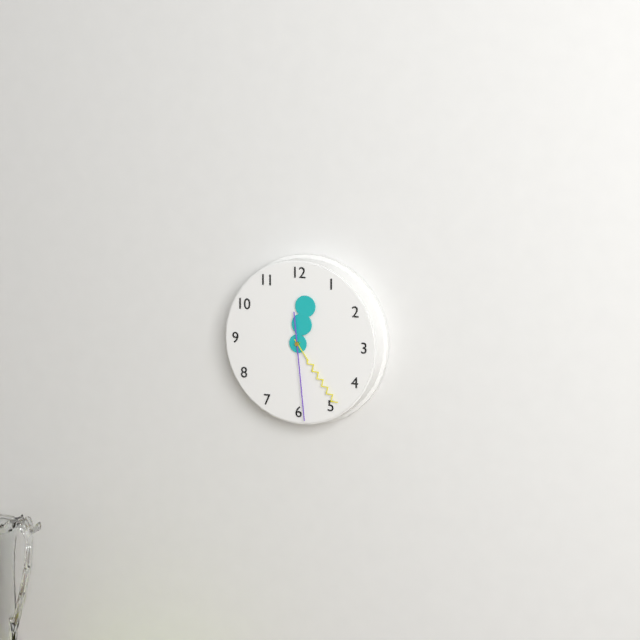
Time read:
12.24.29
